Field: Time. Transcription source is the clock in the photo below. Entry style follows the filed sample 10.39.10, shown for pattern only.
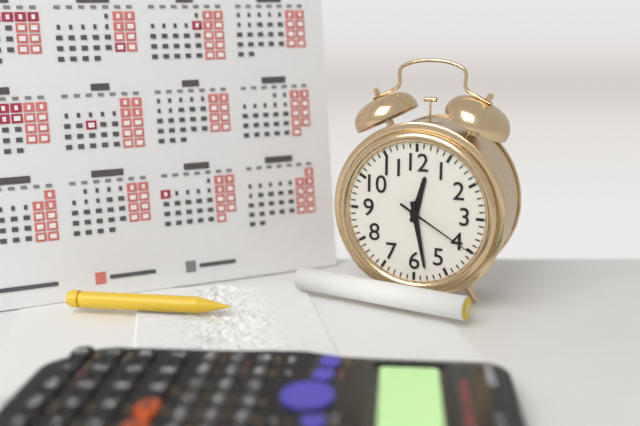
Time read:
12.28.20
